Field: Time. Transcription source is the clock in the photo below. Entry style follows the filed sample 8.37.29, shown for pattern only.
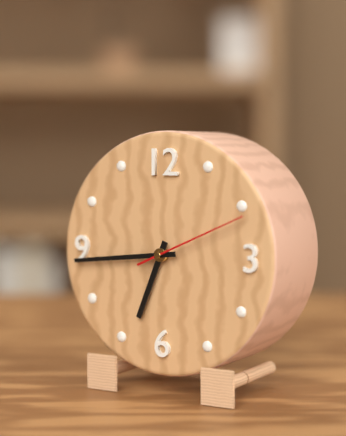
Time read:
6.44.11
